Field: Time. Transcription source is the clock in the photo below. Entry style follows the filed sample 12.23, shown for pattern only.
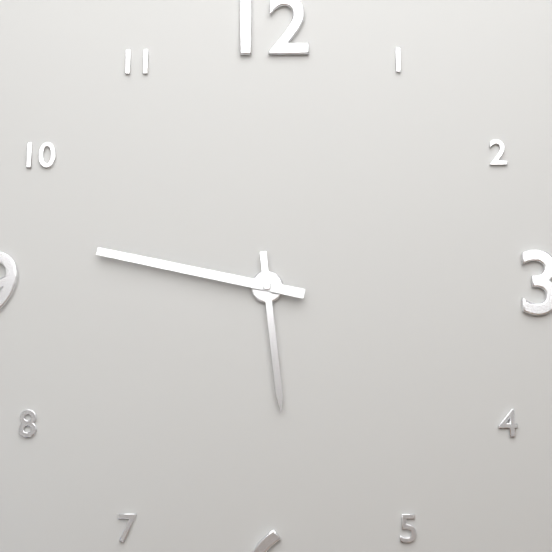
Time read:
5.47
